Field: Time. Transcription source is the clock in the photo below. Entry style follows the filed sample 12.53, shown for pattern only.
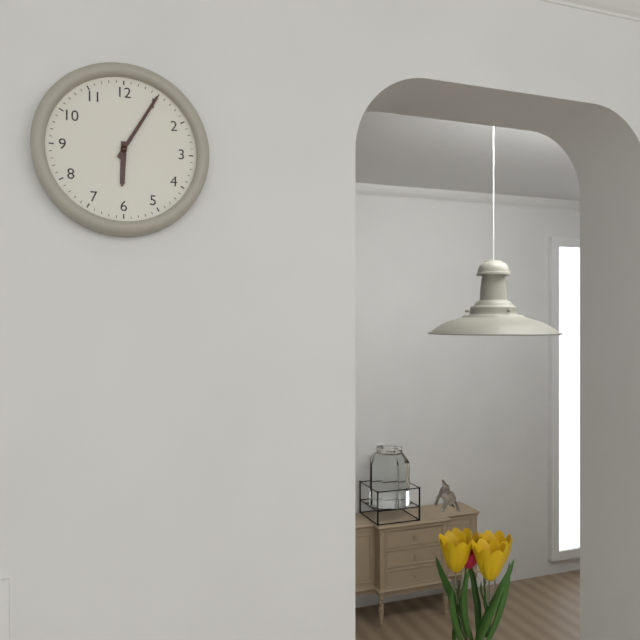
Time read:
6.05
